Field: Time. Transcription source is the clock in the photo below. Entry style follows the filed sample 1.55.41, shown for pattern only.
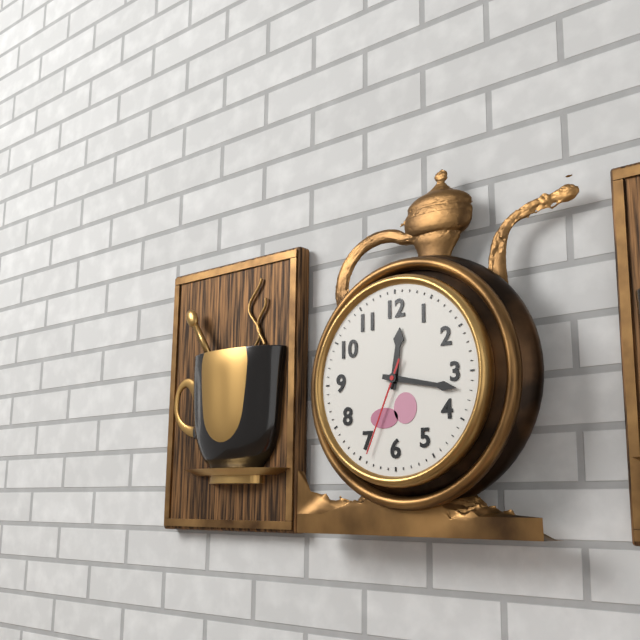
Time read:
12.17.34
